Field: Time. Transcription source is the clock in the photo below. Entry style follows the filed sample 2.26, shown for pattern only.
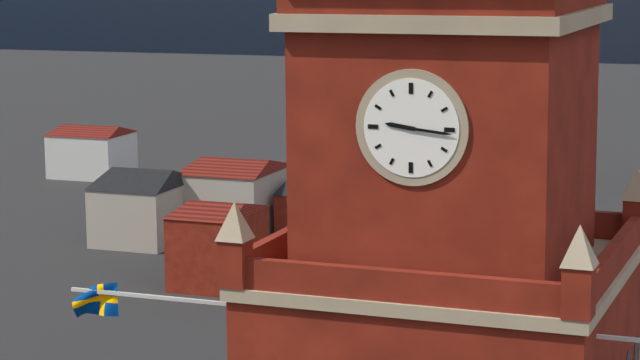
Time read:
9.16
